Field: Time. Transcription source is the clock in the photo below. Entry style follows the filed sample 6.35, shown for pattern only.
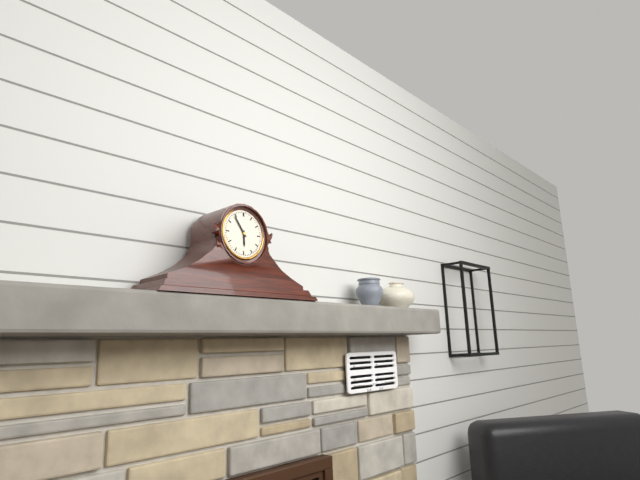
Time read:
5.54
